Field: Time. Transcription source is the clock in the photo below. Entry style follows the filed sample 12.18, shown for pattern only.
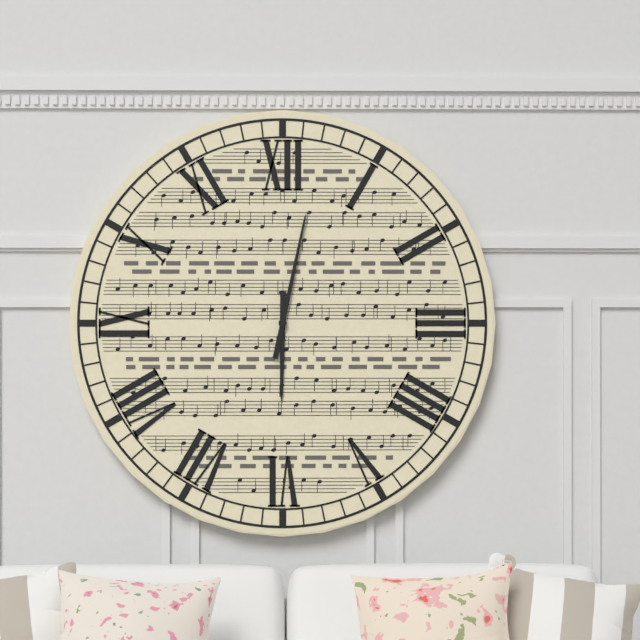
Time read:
6.02
